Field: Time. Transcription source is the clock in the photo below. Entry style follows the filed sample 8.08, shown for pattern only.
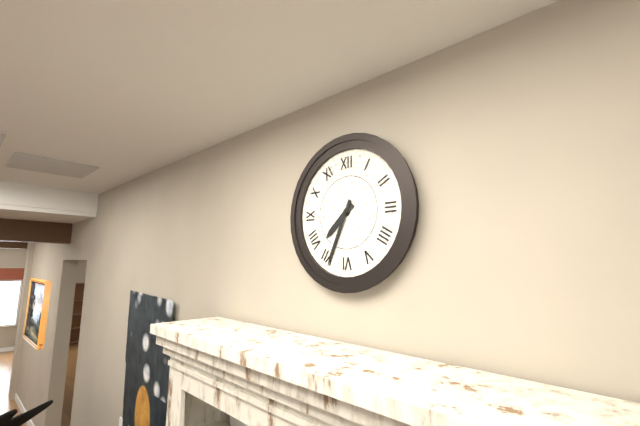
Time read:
7.34
